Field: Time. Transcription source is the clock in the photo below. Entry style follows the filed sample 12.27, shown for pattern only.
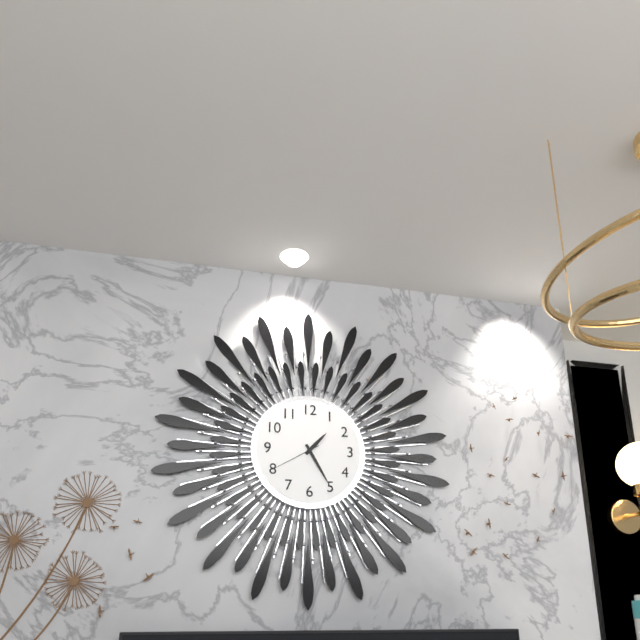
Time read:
1.25
